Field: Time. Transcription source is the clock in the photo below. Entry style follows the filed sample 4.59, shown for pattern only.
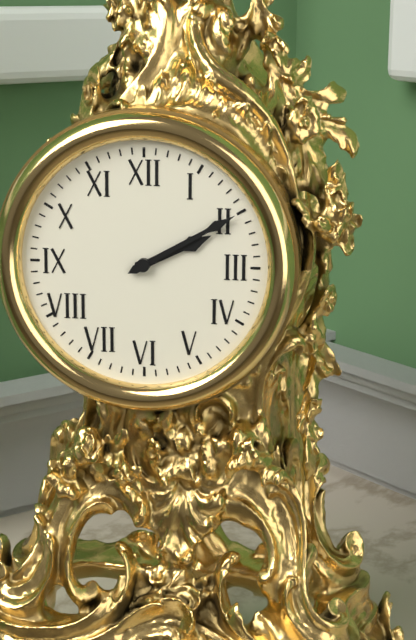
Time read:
2.10
